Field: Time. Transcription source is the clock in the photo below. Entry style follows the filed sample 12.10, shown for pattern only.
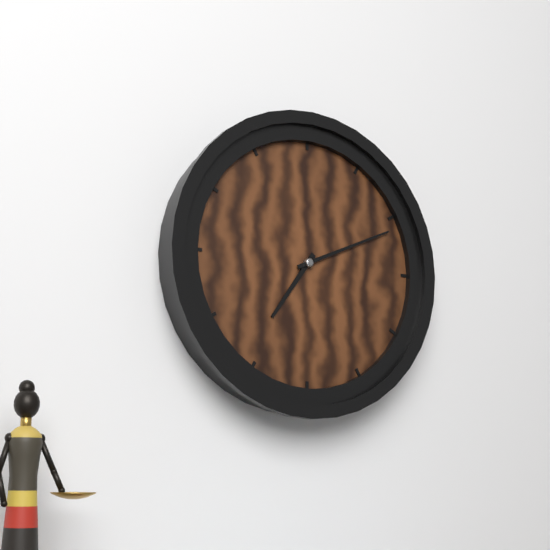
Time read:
7.11
